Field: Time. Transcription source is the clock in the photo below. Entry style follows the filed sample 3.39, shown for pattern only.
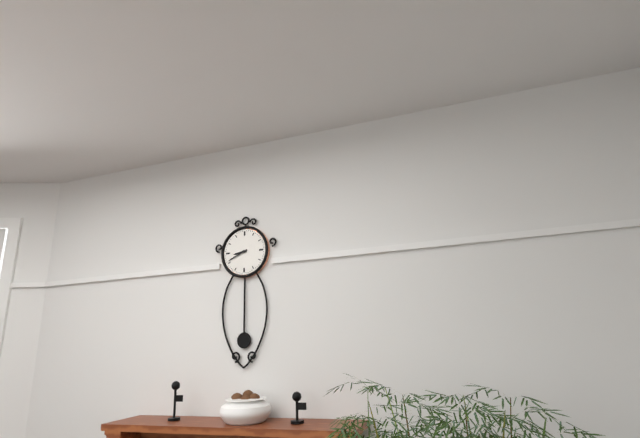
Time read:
8.41
